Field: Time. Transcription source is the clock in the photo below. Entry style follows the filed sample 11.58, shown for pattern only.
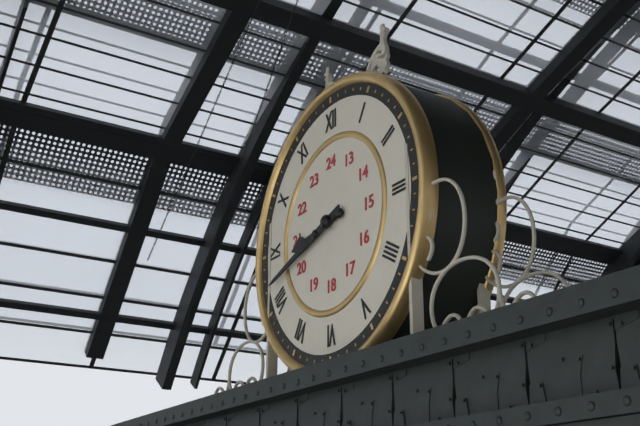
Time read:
8.42
